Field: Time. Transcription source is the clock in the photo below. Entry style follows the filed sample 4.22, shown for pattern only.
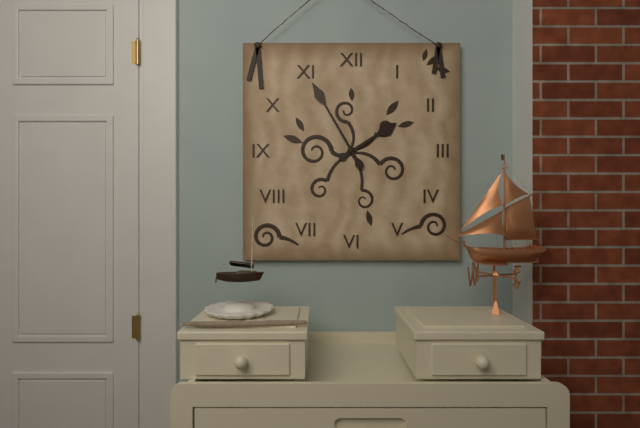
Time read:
1.55
